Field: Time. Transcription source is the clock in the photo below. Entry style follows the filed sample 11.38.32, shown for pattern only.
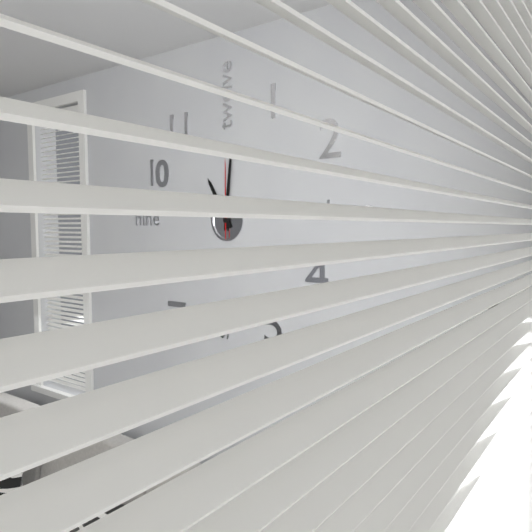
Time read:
11.01.00
